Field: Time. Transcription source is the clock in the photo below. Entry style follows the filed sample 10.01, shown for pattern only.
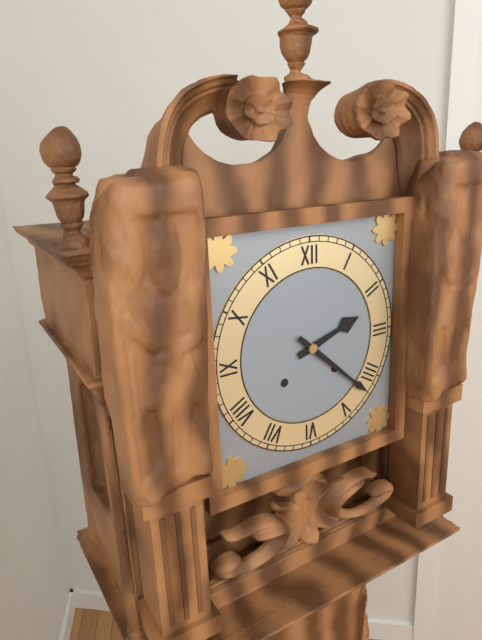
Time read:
2.22
